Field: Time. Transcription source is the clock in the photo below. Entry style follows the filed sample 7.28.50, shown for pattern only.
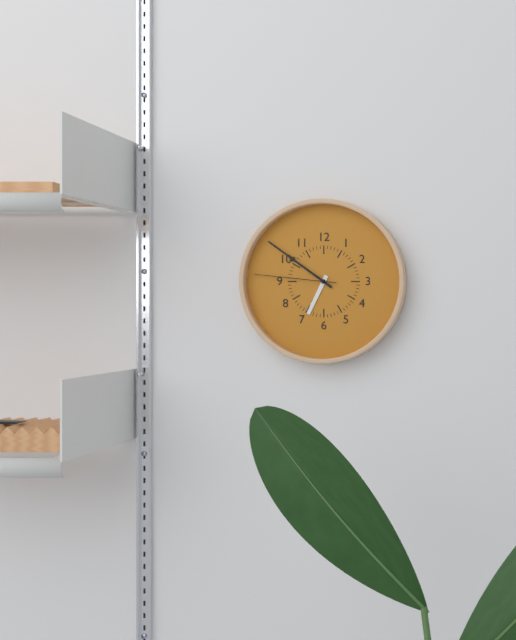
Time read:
6.51.46
